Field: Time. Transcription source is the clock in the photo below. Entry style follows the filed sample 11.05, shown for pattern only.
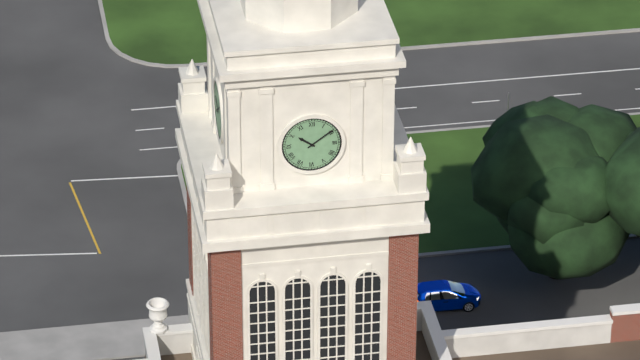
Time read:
10.09
